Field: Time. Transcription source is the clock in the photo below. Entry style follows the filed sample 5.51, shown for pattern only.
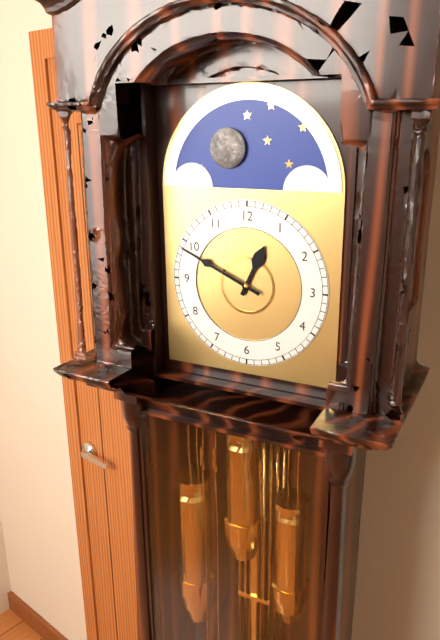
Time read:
12.49
